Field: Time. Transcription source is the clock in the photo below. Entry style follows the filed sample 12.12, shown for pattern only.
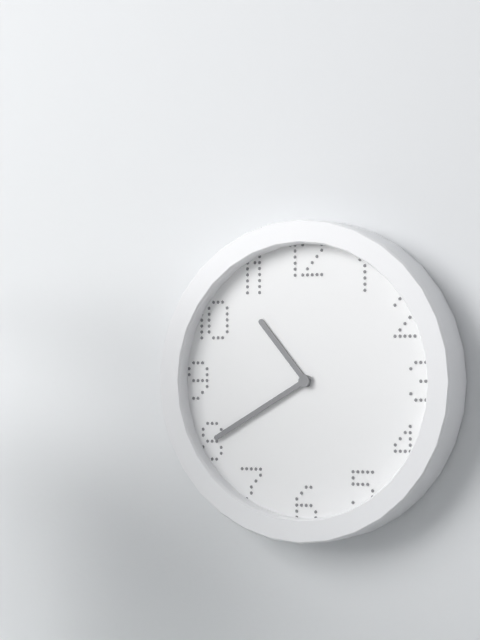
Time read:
10.40
